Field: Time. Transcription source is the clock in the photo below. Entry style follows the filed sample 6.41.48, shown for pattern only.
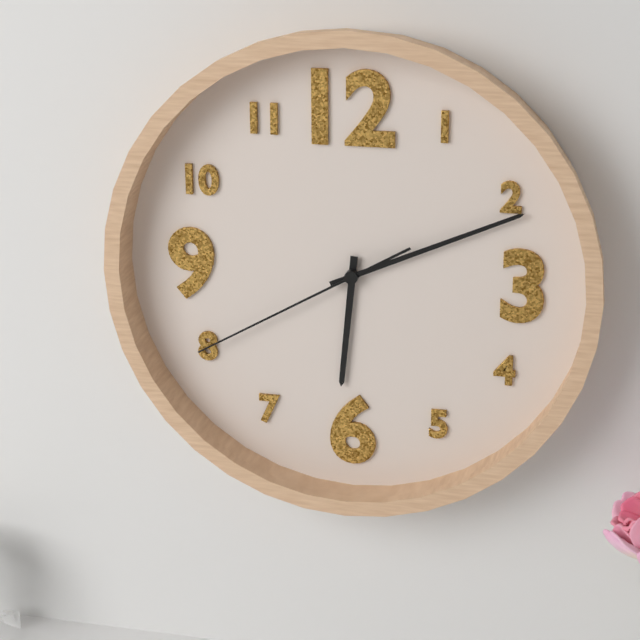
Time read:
6.11.40
